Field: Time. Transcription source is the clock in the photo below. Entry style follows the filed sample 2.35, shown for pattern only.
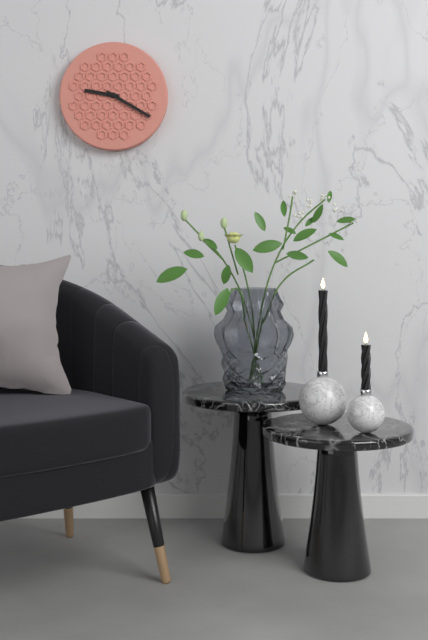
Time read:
9.20
